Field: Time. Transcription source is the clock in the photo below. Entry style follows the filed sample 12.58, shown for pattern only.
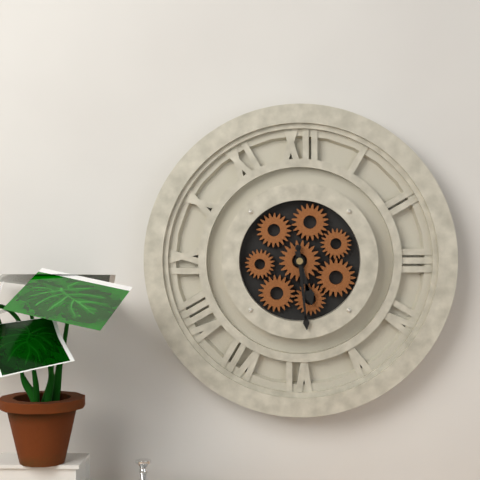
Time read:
5.29
